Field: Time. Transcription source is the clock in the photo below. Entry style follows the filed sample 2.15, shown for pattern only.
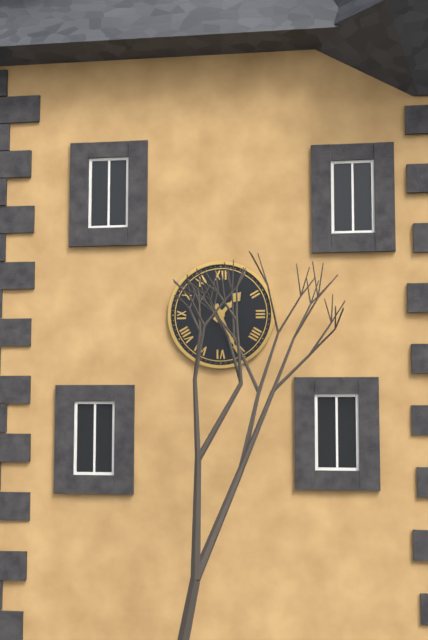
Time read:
1.26
